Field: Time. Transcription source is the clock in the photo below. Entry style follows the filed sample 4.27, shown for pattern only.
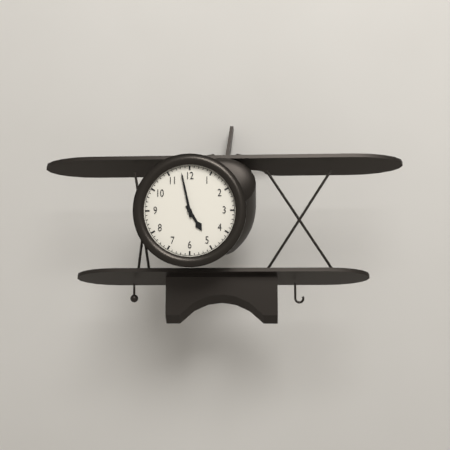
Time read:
4.58
